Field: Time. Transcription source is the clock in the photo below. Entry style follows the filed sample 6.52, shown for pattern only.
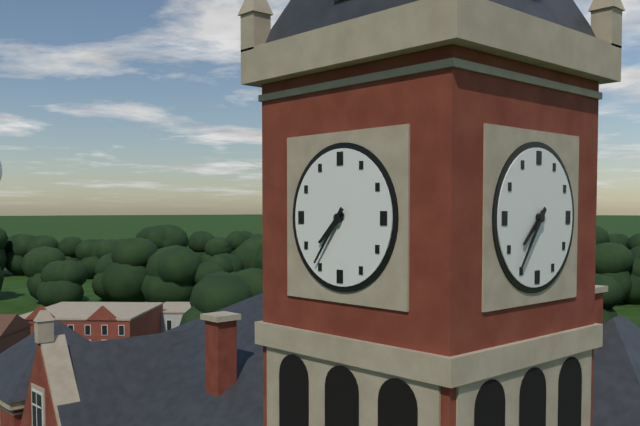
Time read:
7.36
